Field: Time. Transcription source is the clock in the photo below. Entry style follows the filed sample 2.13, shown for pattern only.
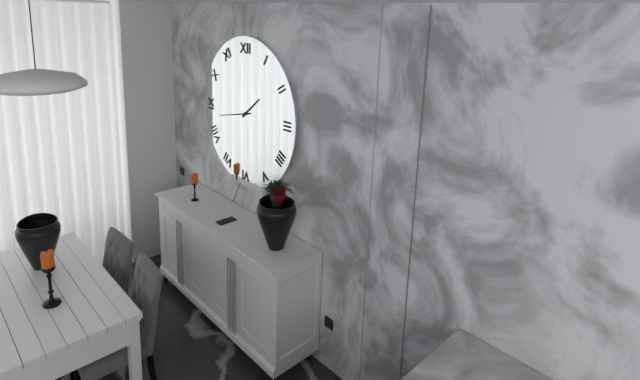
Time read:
1.43
